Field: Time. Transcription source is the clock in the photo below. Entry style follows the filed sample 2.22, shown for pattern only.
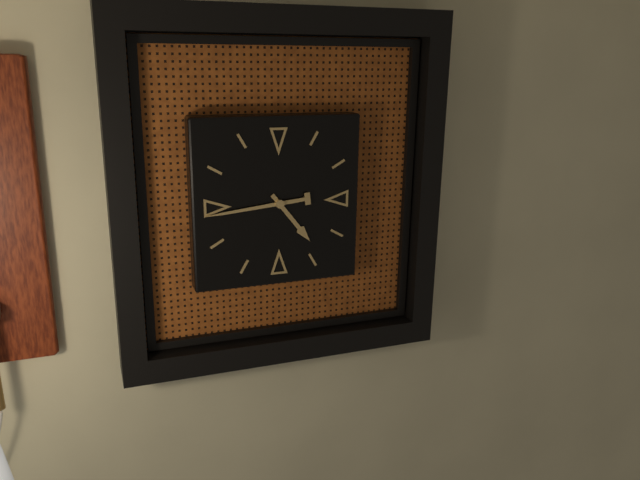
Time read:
4.44
